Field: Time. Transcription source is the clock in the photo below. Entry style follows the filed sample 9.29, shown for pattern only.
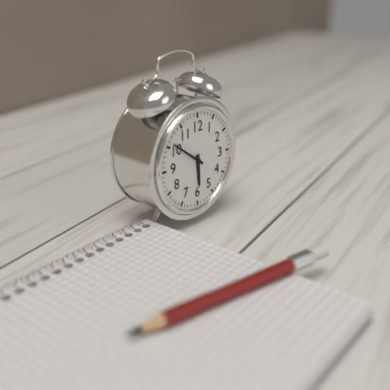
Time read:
5.51
